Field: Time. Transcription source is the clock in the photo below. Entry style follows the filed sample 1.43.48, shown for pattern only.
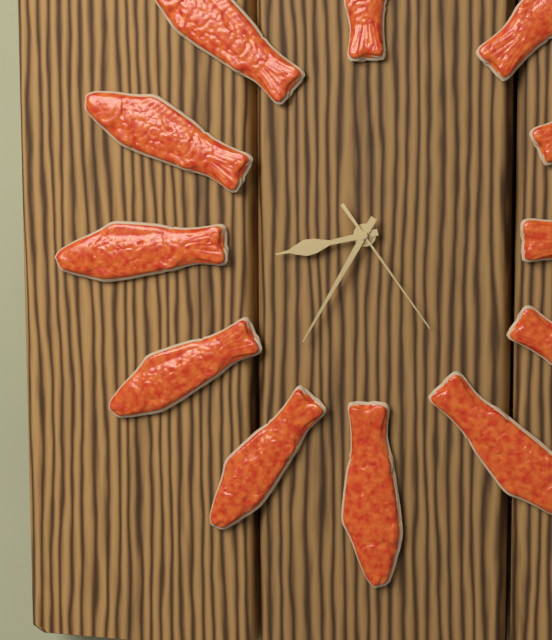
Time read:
8.35.24
